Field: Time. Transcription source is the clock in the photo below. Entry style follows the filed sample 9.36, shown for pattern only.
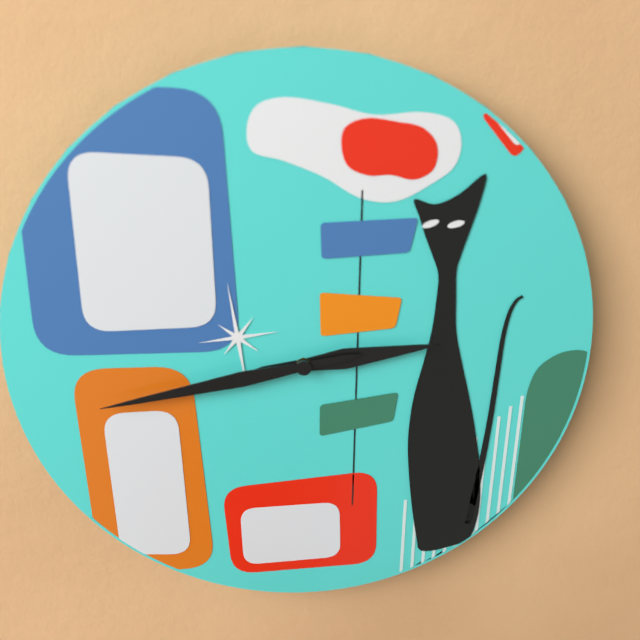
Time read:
2.43
